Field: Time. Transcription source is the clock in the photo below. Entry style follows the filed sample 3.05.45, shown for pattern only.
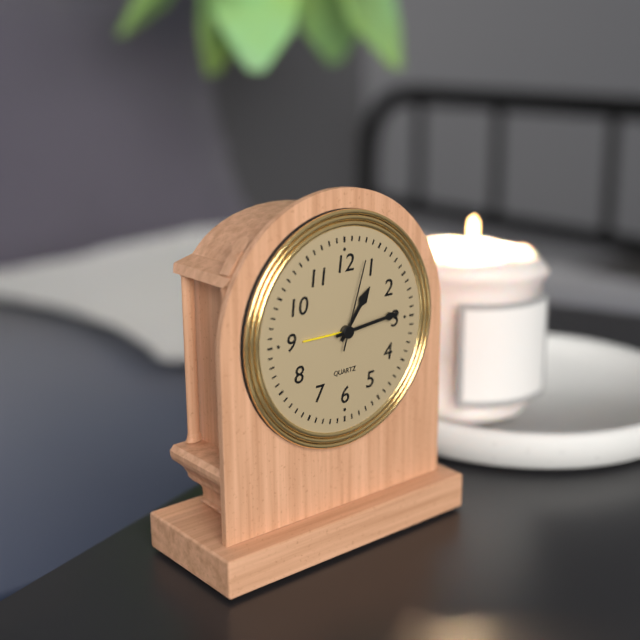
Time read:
1.14.03
